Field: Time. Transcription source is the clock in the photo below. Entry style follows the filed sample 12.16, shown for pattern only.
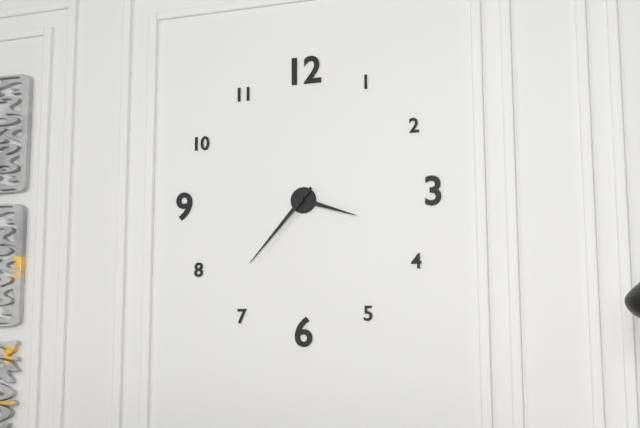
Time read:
3.37
